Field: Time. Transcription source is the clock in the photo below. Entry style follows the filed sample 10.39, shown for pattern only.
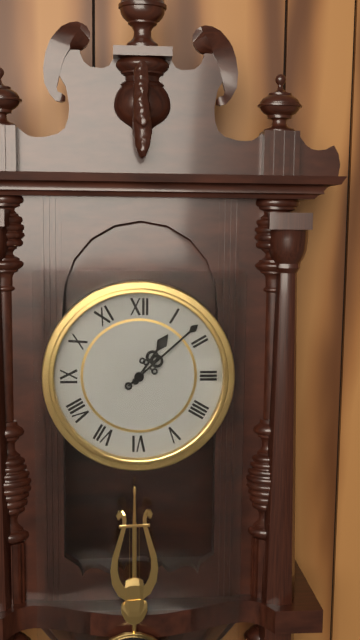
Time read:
1.08
